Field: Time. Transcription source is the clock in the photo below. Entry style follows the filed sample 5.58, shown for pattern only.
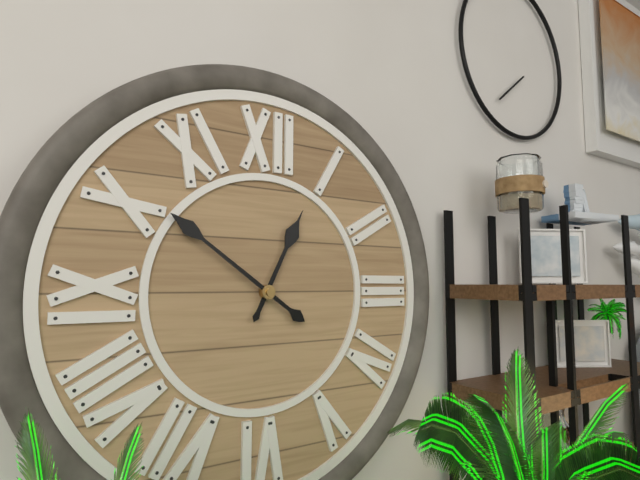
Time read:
12.51
